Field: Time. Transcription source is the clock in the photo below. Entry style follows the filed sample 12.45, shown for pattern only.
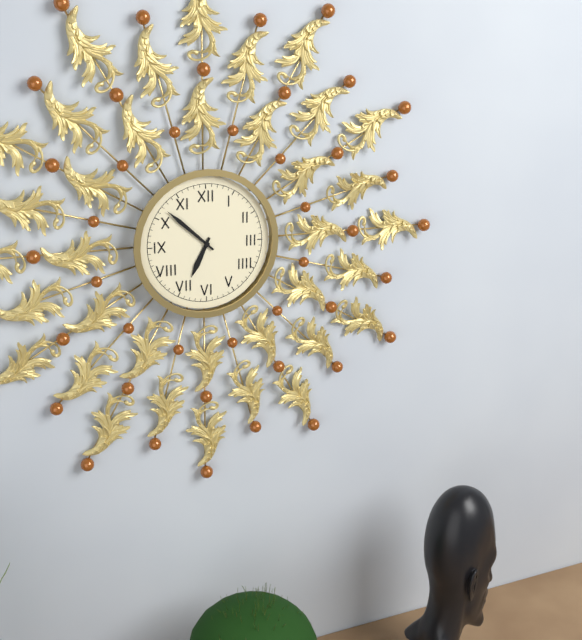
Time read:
6.52
